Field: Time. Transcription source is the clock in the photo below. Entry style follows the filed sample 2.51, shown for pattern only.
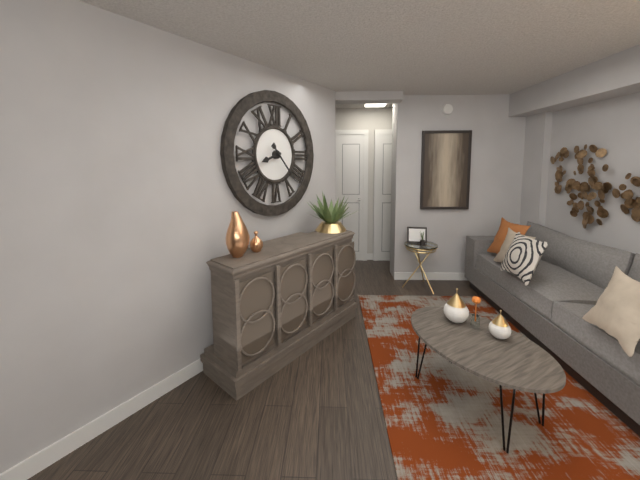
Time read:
8.23
